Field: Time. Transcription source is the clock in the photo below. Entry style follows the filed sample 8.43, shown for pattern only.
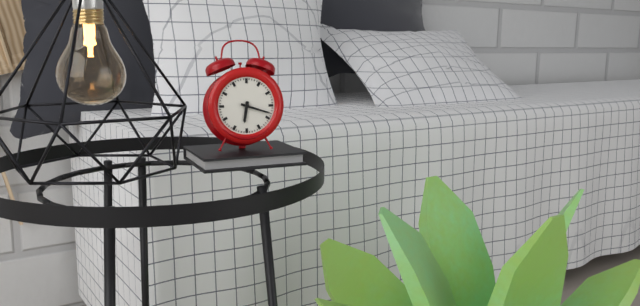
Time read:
6.18
